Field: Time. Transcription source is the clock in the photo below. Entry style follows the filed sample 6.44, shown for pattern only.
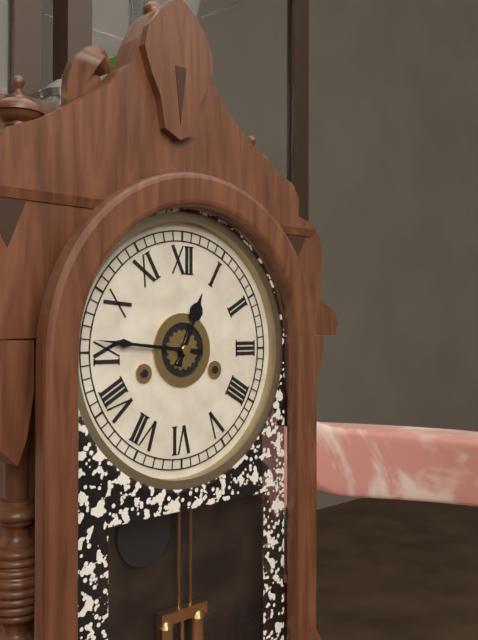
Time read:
12.46
